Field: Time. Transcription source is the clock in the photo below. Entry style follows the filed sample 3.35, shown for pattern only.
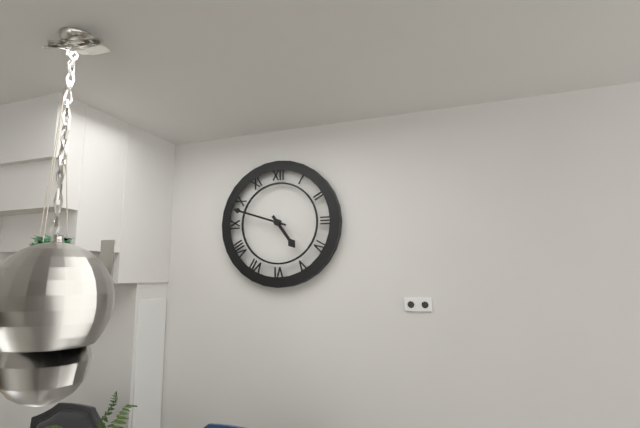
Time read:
4.48
